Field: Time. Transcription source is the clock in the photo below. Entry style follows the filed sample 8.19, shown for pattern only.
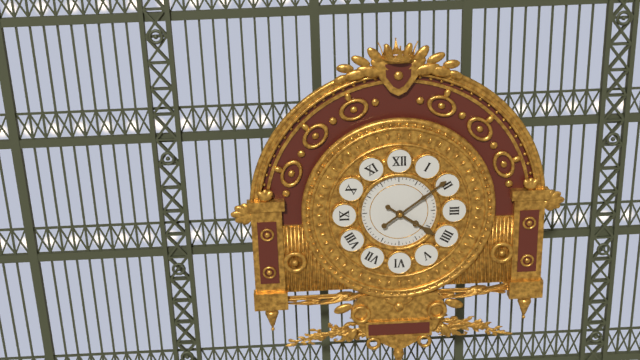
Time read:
4.09
